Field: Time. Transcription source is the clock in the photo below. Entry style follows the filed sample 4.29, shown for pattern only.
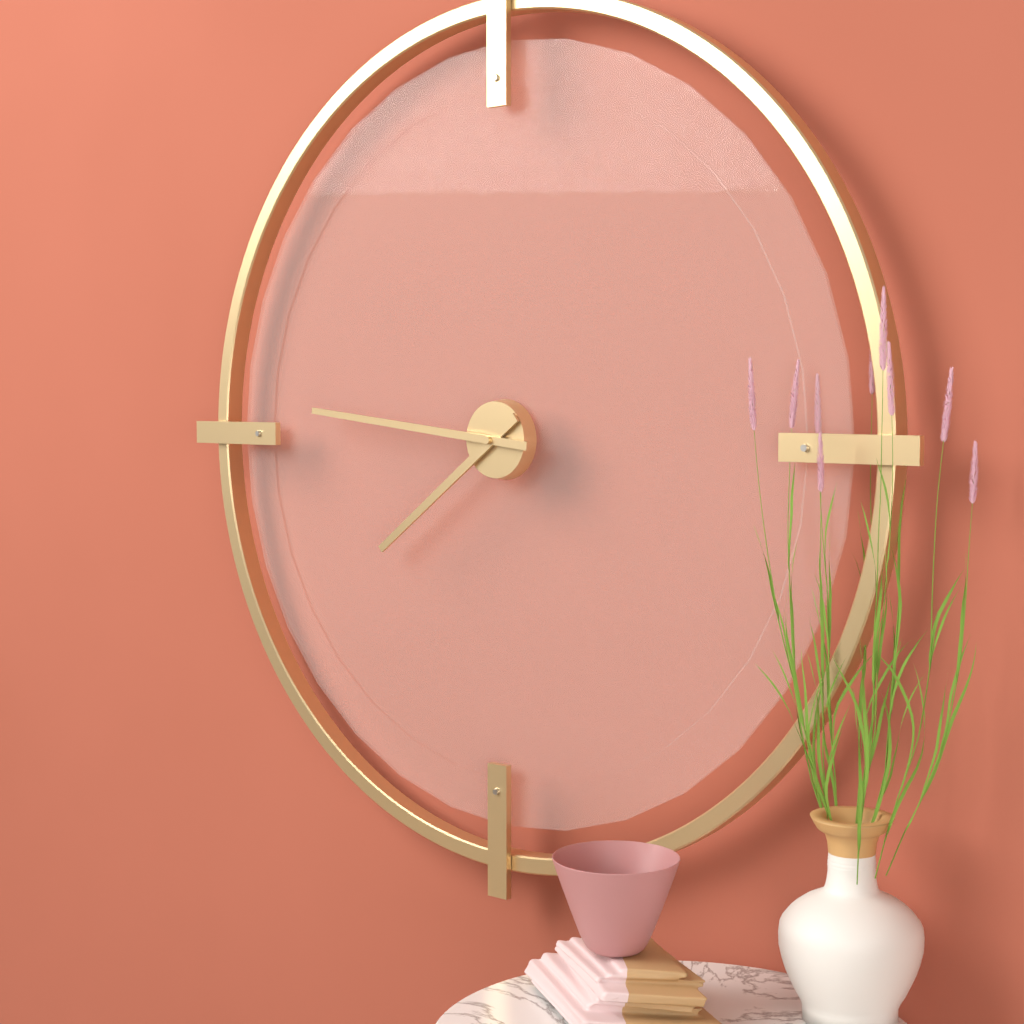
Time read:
7.46
